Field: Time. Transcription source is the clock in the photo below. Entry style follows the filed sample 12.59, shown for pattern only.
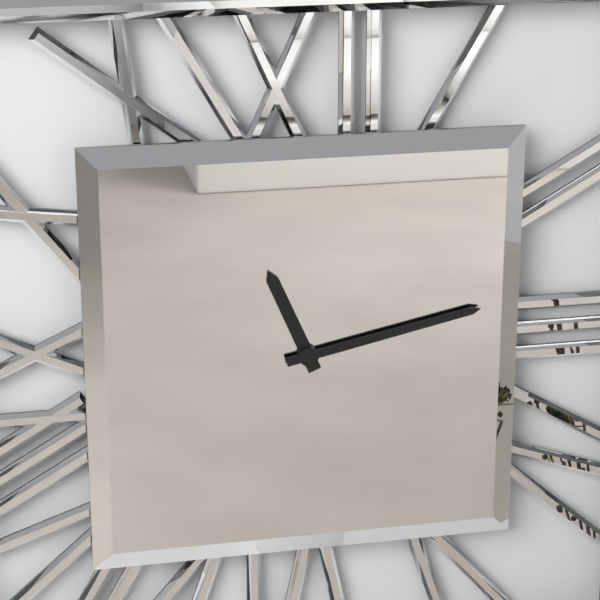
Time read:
11.13
